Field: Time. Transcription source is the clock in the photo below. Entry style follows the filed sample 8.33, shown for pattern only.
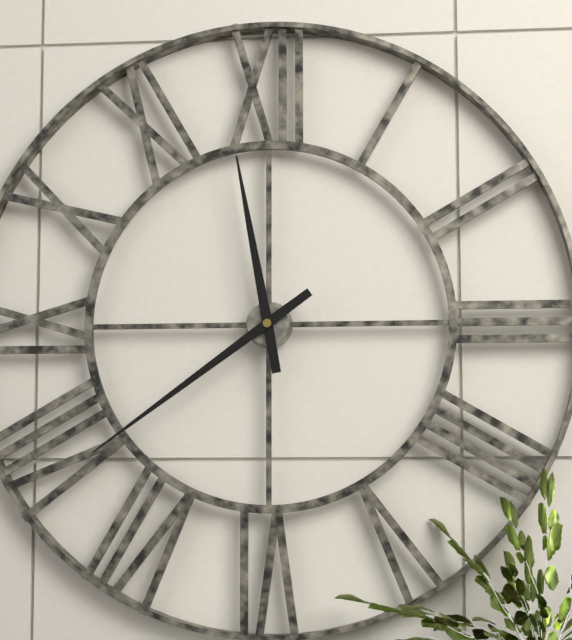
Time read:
11.39
